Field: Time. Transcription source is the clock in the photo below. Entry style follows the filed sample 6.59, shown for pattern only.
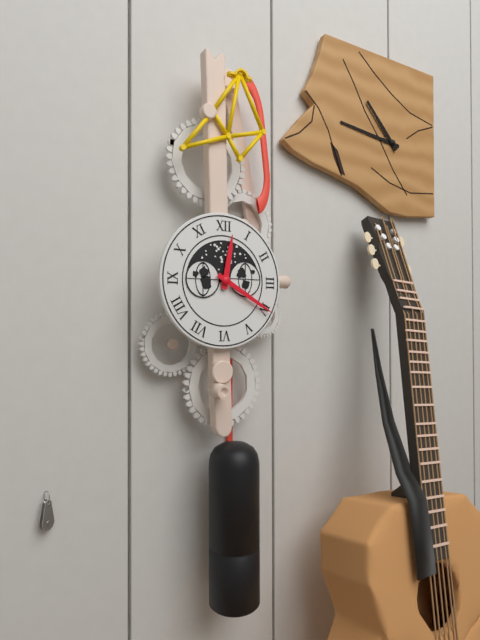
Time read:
12.20
